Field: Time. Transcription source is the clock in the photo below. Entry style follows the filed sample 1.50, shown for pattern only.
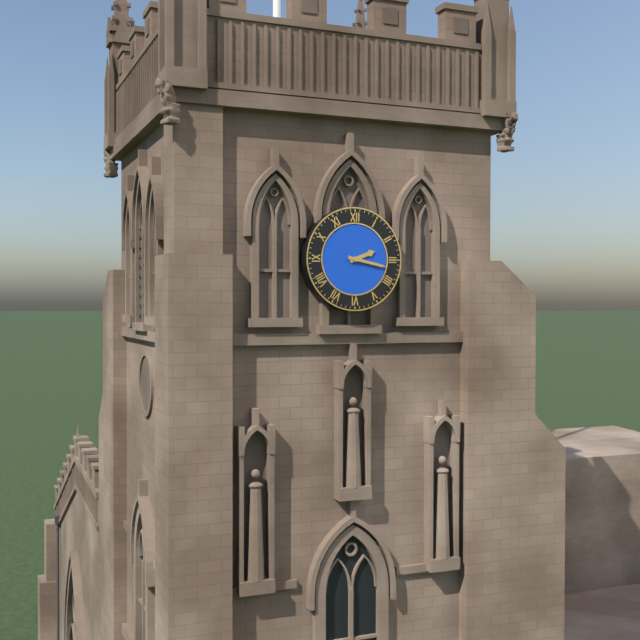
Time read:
2.17
